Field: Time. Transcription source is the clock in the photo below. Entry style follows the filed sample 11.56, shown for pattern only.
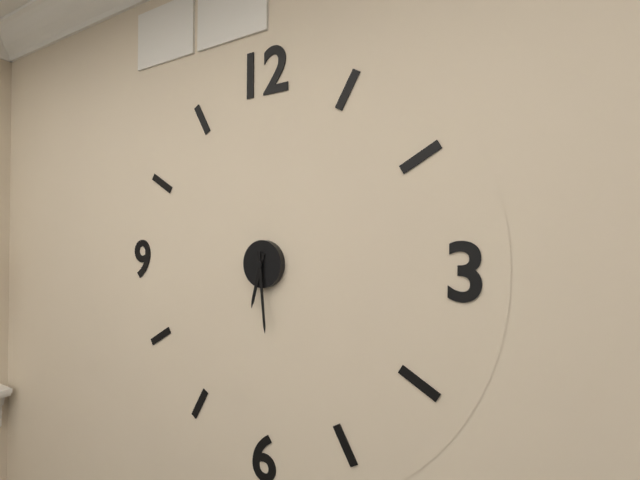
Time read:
6.29
